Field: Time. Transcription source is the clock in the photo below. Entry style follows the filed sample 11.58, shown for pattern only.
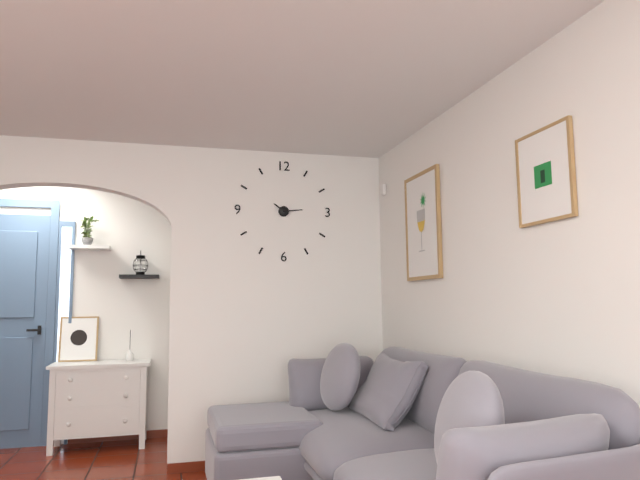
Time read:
10.14
